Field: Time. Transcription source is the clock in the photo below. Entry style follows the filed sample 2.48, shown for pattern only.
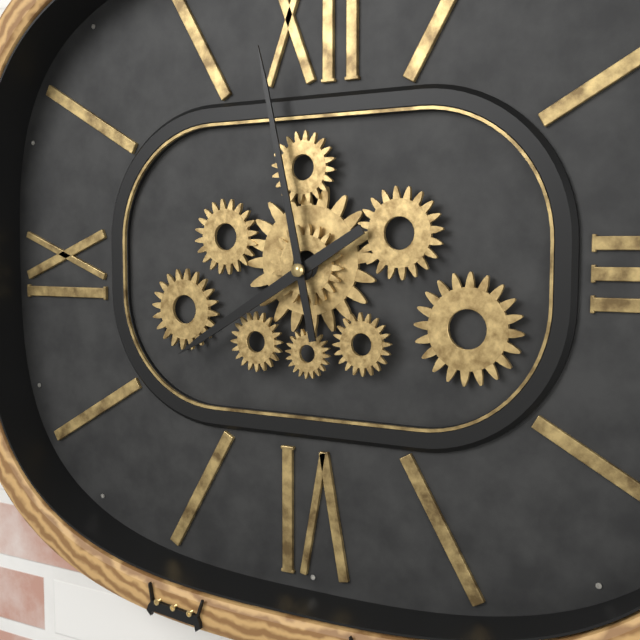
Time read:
7.58
